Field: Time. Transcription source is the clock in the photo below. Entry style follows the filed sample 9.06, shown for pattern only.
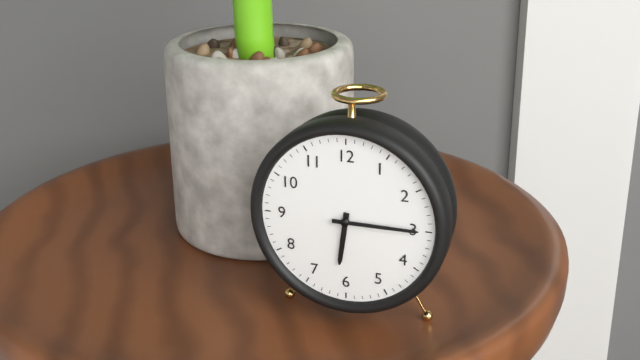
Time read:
6.15
